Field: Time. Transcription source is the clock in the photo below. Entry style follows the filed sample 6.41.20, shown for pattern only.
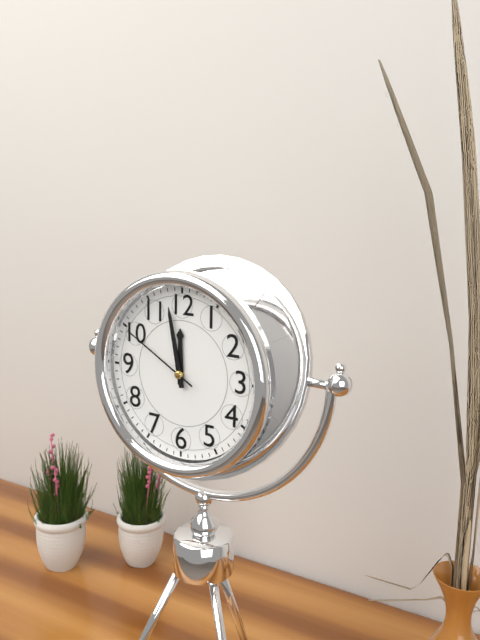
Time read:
11.58.50
